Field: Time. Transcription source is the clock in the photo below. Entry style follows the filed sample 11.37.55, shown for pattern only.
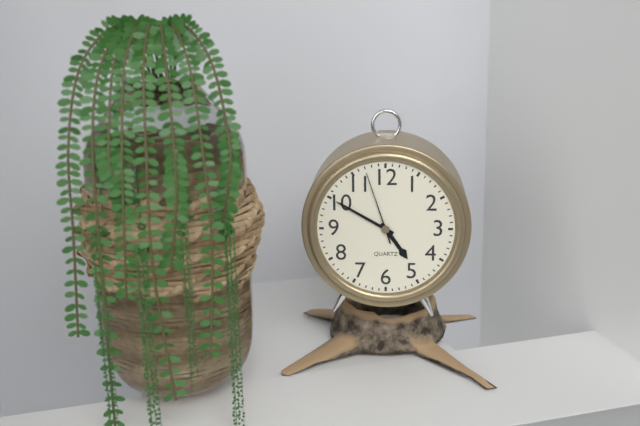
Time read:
4.50.57
